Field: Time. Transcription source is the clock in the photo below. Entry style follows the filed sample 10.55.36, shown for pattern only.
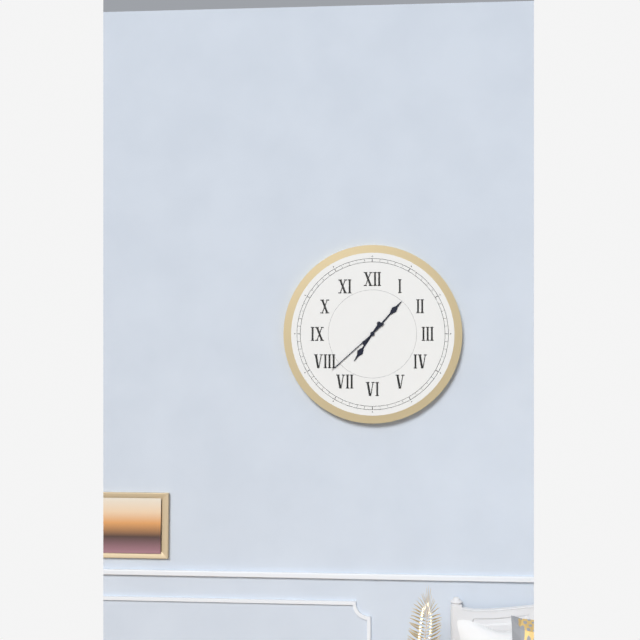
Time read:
7.07.38
